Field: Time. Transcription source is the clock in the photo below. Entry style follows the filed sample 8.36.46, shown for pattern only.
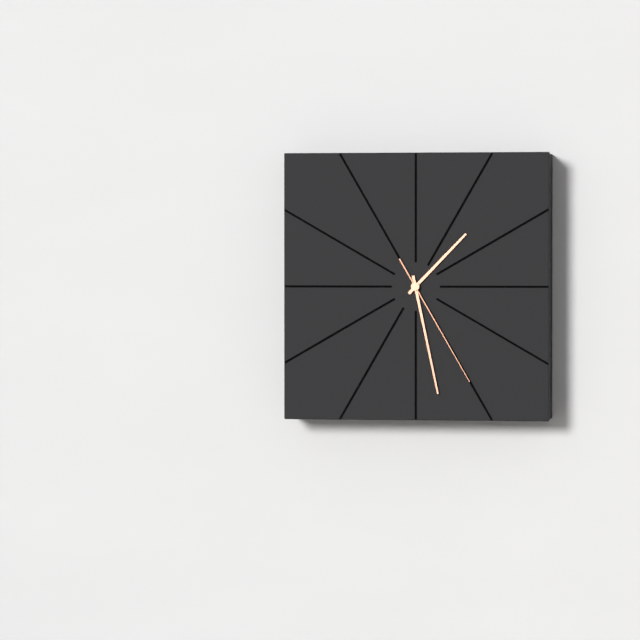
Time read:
1.28.25
